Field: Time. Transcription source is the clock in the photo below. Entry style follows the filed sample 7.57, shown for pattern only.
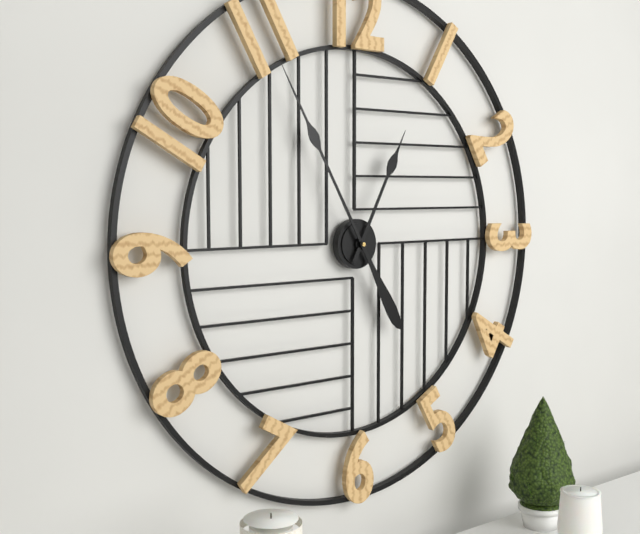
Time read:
12.55
